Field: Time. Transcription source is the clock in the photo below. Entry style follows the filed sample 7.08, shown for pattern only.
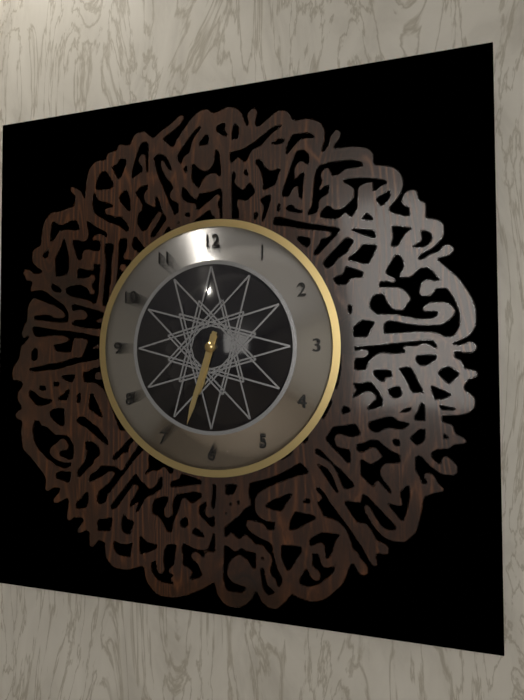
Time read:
6.33
